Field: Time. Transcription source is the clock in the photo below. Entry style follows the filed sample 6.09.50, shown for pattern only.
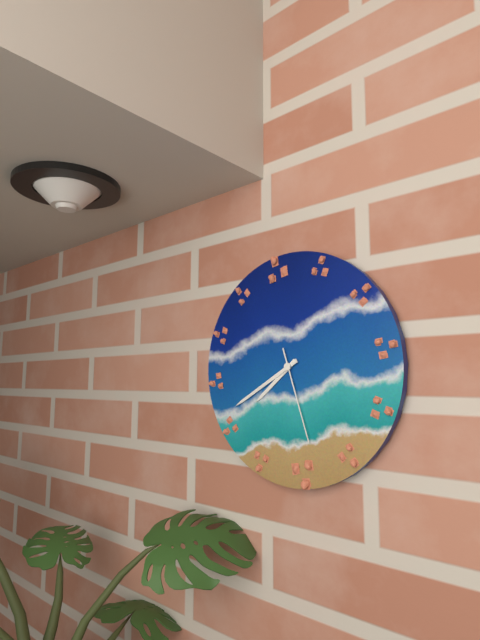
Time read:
7.40.27
